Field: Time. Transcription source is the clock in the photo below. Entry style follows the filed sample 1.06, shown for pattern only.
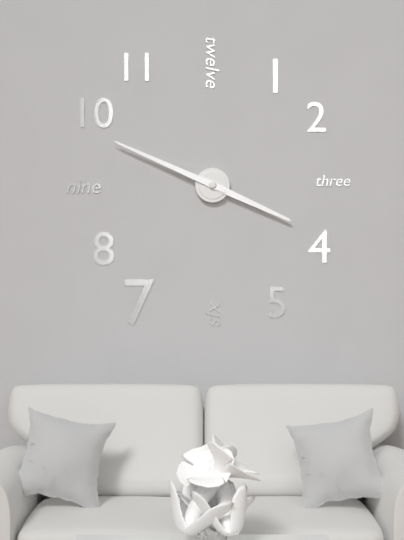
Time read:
3.49
